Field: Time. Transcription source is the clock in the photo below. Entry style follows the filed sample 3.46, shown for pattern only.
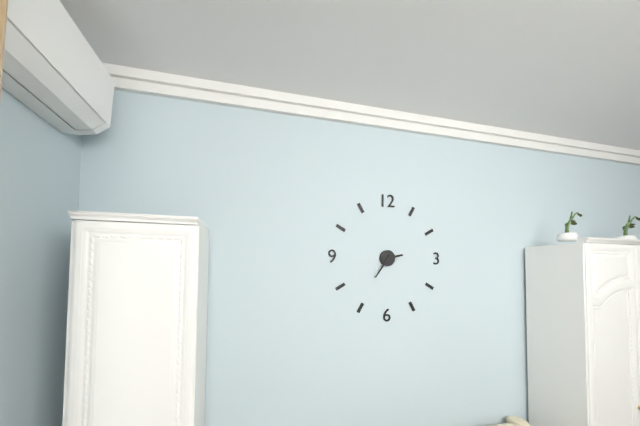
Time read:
2.36
